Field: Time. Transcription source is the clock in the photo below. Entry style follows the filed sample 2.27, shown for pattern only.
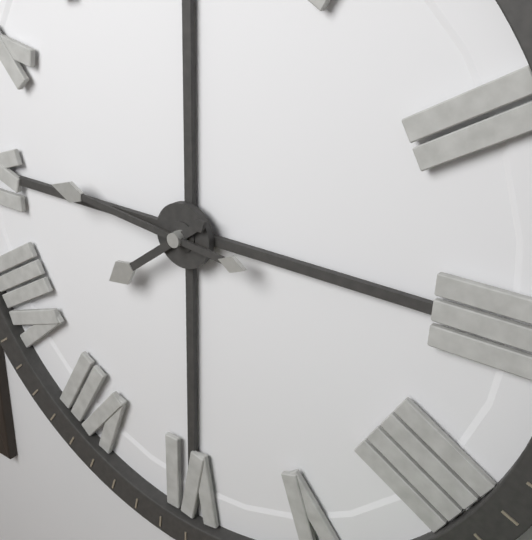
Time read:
7.46
